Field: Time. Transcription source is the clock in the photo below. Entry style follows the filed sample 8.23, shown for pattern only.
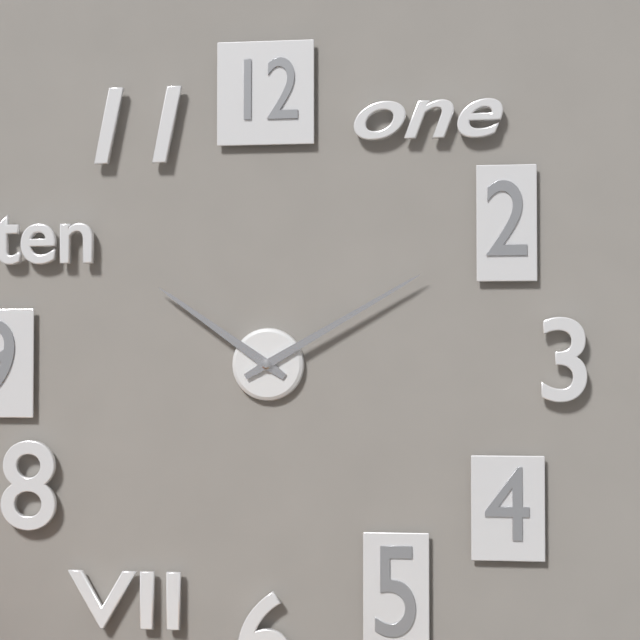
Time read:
10.10
